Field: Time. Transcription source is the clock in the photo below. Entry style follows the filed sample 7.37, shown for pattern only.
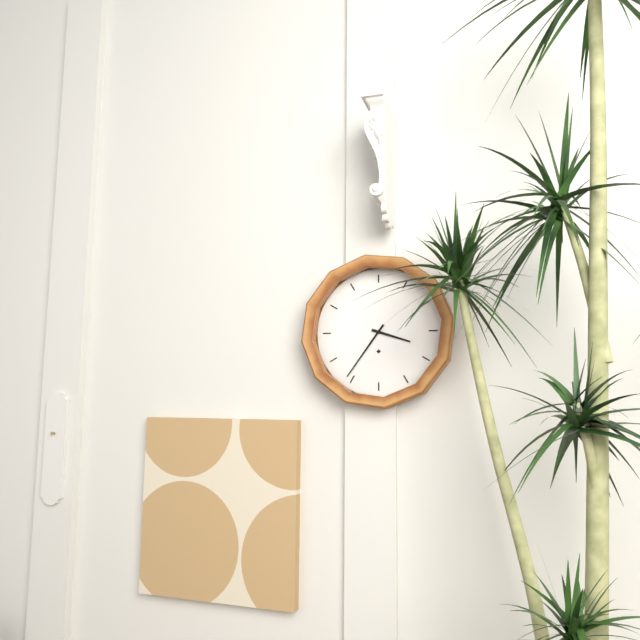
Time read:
3.36
